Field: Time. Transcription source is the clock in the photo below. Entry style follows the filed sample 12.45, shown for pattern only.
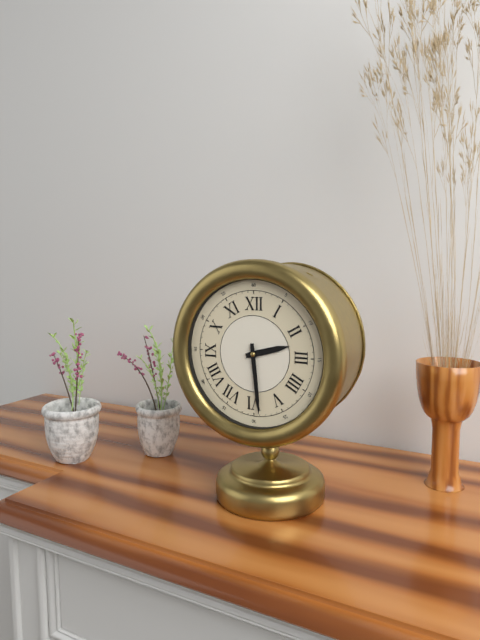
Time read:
2.29
